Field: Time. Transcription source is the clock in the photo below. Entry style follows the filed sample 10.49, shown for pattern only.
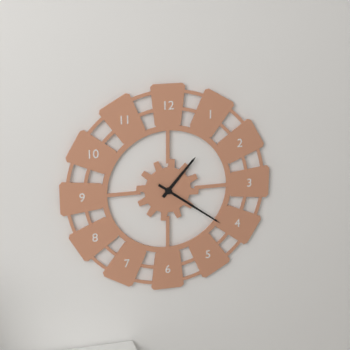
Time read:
1.21
